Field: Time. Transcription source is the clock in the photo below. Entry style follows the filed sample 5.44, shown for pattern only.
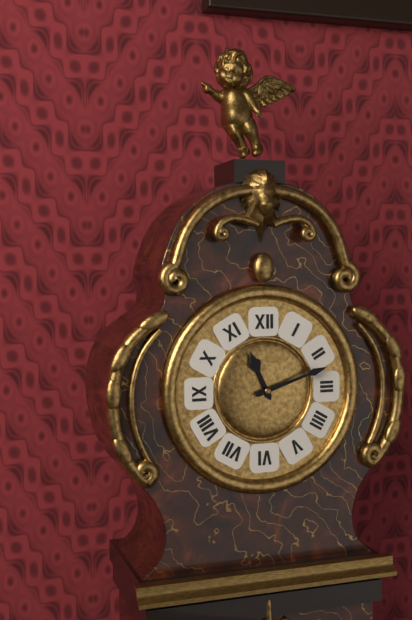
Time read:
11.12
